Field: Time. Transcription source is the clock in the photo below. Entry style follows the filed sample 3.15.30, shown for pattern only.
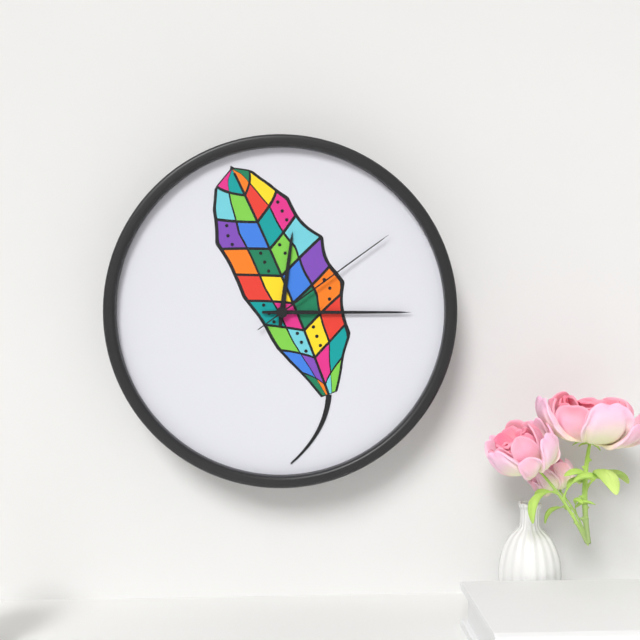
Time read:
12.15.09
